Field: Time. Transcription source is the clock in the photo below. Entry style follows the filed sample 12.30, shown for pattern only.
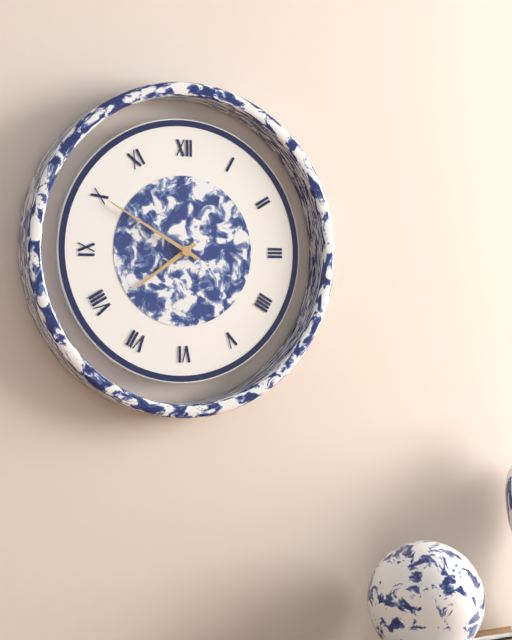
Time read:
7.50
